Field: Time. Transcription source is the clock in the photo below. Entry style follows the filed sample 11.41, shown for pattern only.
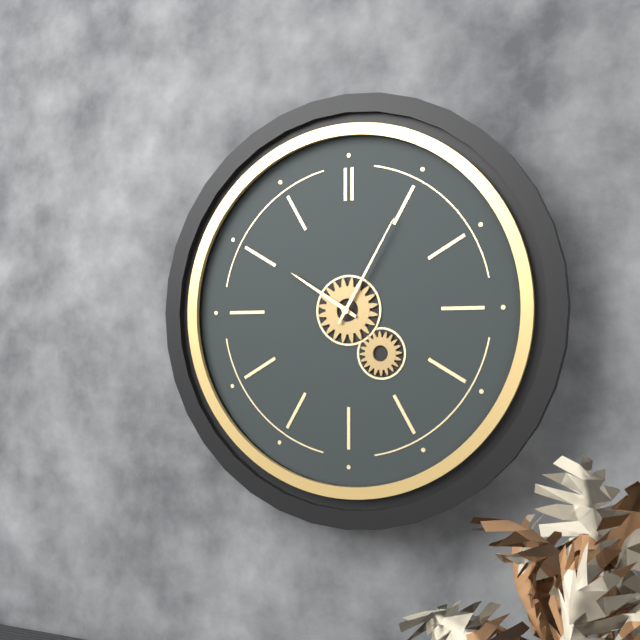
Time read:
10.05
